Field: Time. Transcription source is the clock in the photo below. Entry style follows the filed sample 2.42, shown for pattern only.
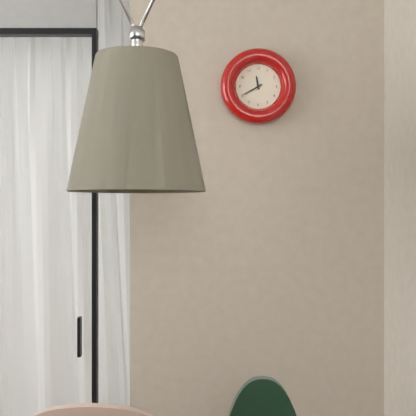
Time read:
11.40
